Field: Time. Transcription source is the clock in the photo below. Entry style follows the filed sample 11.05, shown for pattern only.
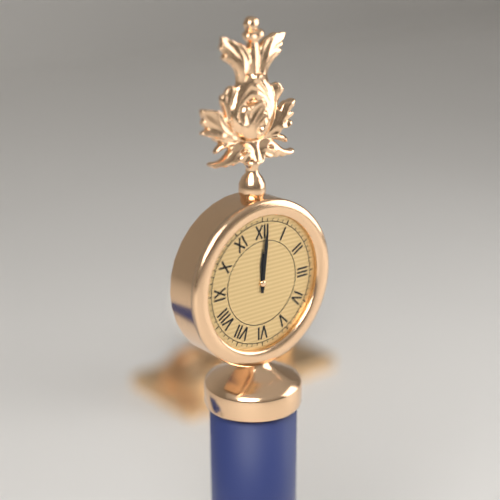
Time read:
12.01
